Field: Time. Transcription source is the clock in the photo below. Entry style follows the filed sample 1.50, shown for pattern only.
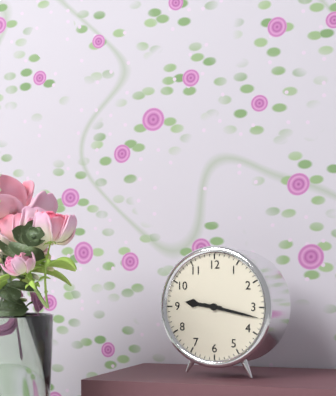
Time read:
9.17
